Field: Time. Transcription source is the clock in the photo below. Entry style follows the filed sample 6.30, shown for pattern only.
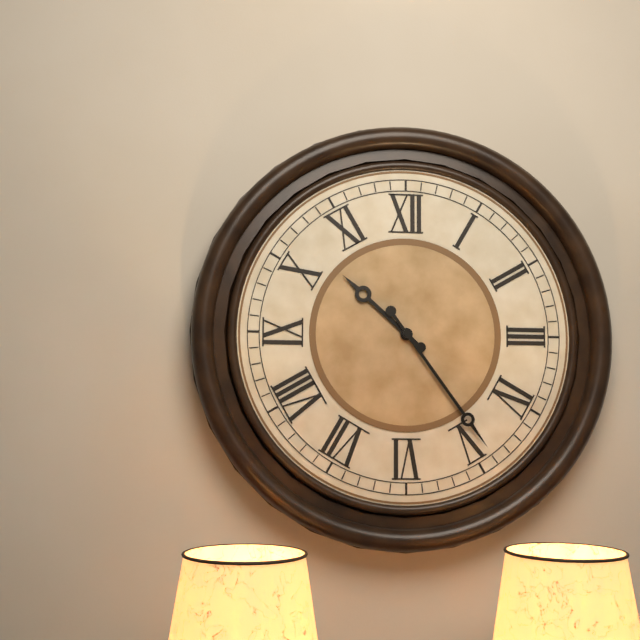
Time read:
10.24
